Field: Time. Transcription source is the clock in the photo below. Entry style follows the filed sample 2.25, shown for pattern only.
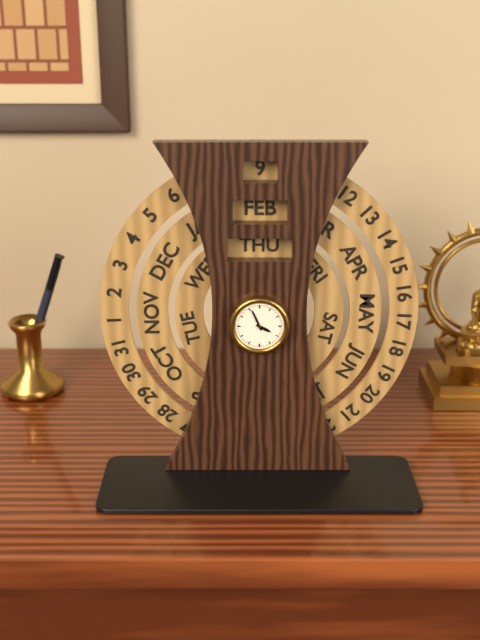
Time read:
3.56
